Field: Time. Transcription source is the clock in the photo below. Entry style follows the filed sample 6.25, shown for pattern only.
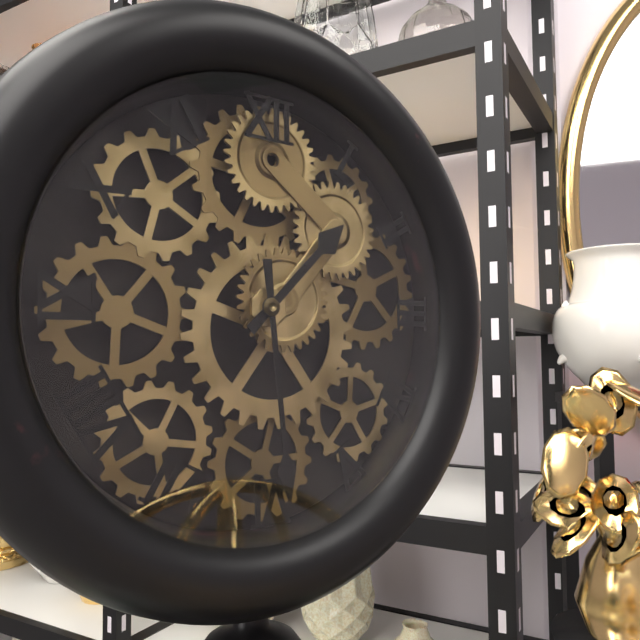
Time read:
1.29
